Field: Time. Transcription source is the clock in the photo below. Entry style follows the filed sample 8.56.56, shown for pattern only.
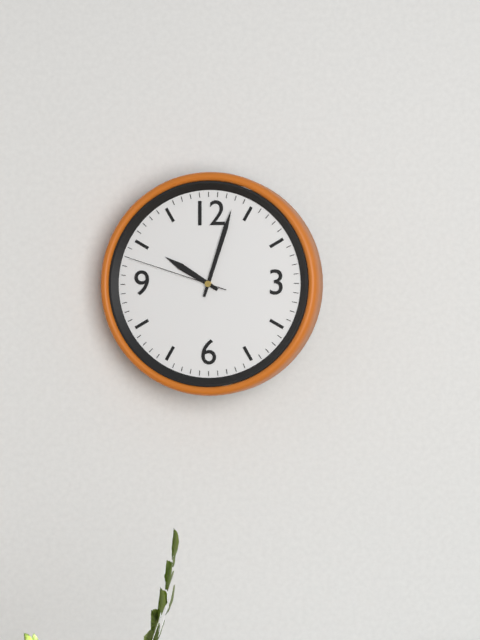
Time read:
10.03.48
